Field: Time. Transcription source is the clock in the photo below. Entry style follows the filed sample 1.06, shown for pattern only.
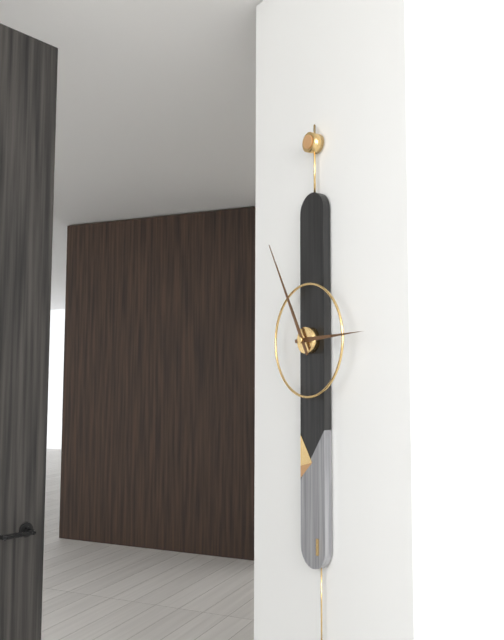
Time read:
2.55
